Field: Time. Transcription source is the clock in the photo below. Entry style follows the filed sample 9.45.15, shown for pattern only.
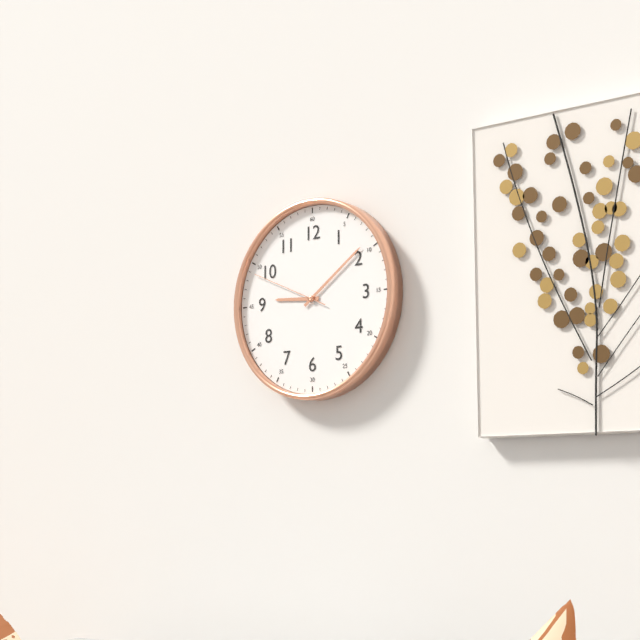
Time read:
9.09.49
